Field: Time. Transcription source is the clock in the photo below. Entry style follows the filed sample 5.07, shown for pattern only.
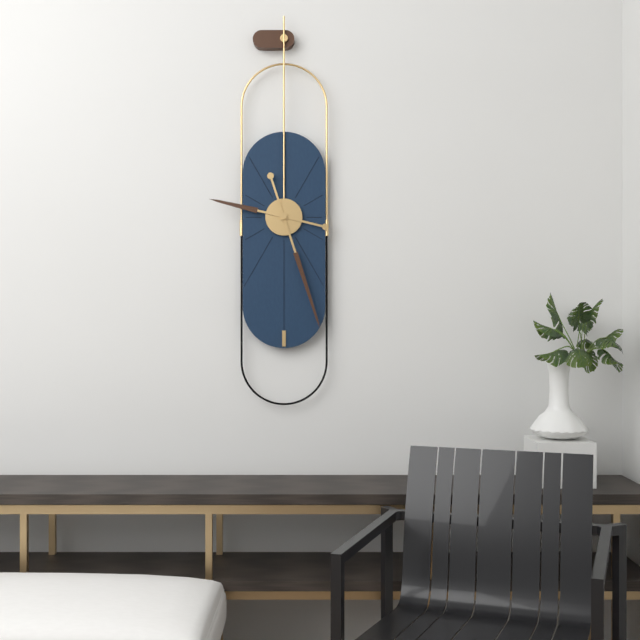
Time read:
9.27
